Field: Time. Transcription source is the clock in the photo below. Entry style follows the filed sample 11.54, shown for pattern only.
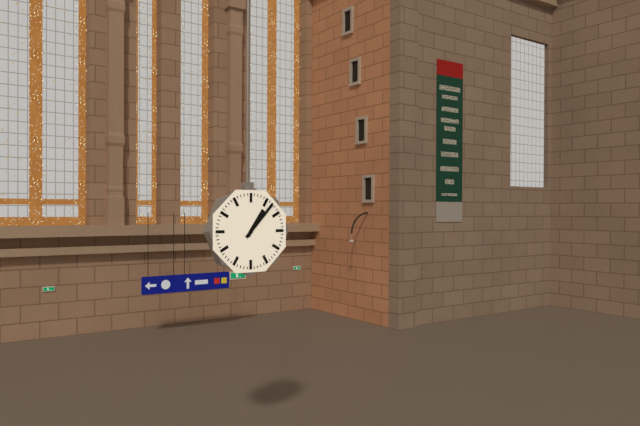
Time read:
1.07
